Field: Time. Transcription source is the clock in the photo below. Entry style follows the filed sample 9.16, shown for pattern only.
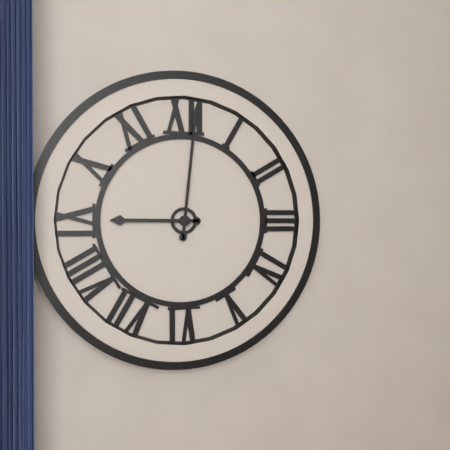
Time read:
9.01
